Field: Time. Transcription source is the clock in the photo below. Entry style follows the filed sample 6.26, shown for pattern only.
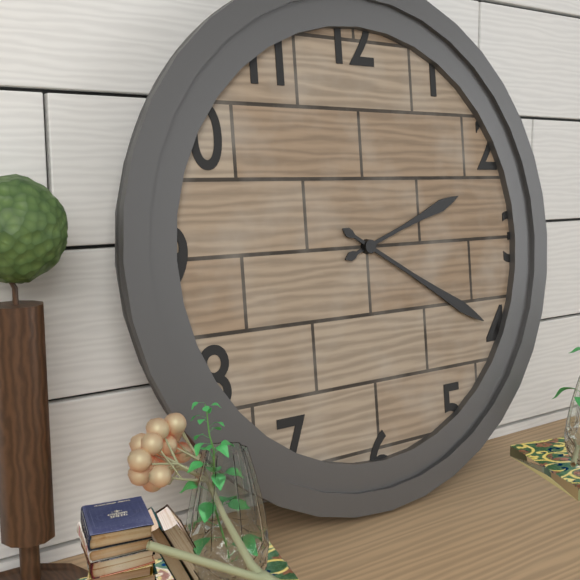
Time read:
2.20
